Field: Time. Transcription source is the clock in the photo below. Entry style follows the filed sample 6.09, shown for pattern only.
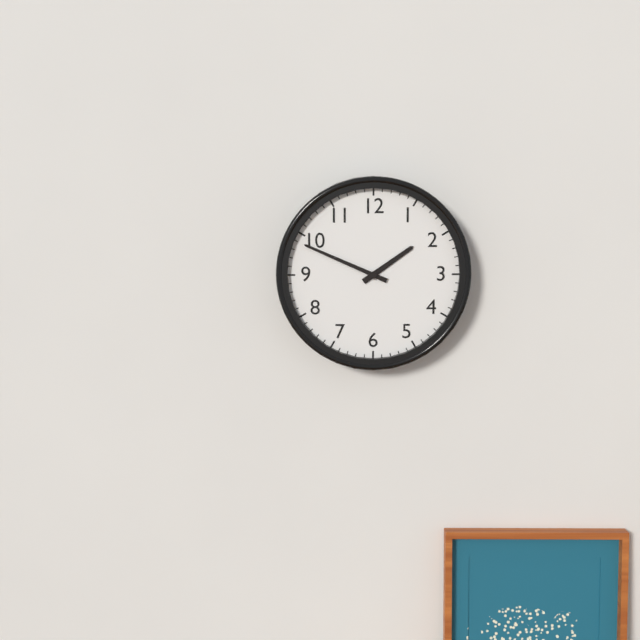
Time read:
1.49
